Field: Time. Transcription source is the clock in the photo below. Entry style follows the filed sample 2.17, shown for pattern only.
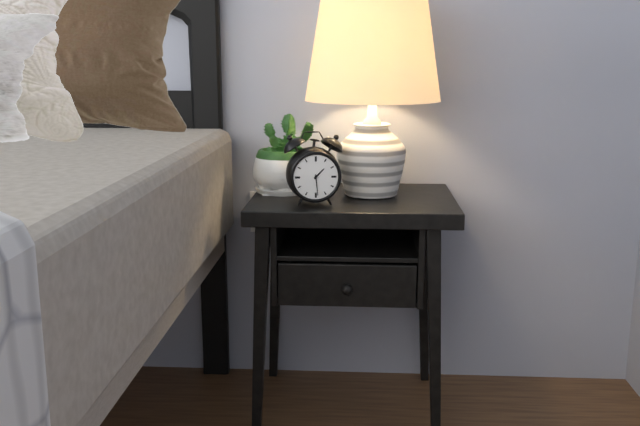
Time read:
1.29
